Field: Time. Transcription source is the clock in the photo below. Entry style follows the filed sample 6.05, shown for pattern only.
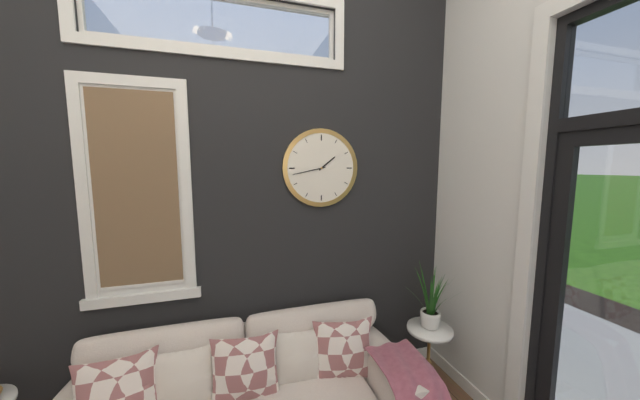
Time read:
1.43
